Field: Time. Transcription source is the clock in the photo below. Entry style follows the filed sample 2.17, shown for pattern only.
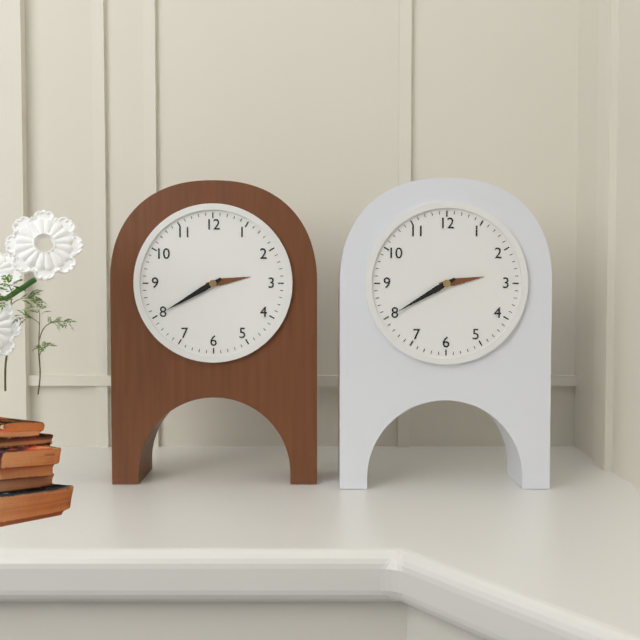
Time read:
2.40
